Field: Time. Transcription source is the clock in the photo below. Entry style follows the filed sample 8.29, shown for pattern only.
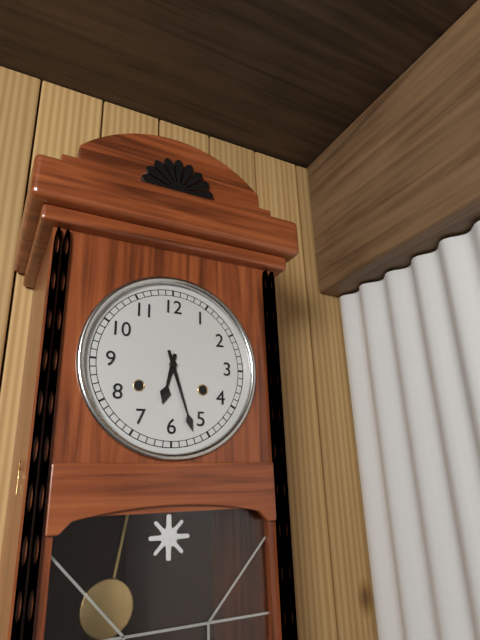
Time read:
6.27
